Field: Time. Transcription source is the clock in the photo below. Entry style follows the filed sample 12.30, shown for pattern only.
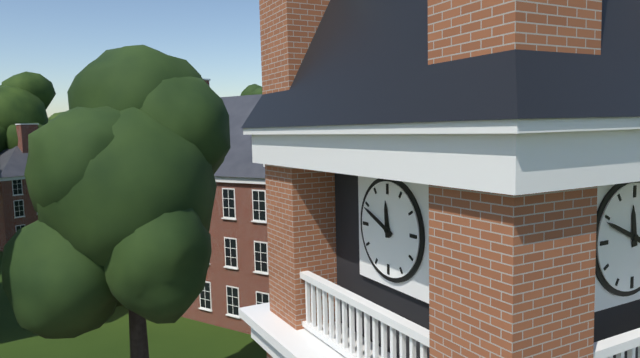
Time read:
11.49
